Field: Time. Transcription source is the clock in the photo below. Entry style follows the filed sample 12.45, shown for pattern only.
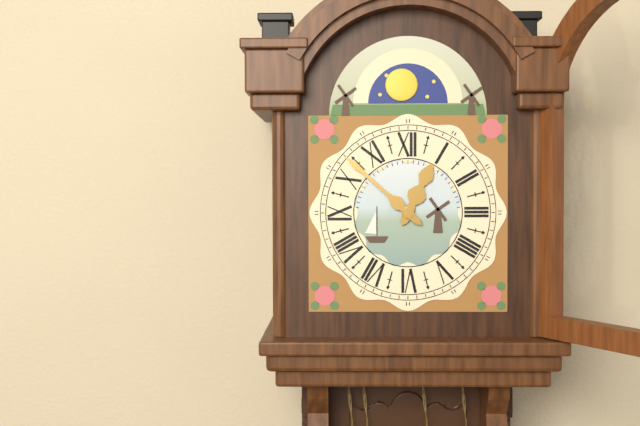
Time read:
12.52
